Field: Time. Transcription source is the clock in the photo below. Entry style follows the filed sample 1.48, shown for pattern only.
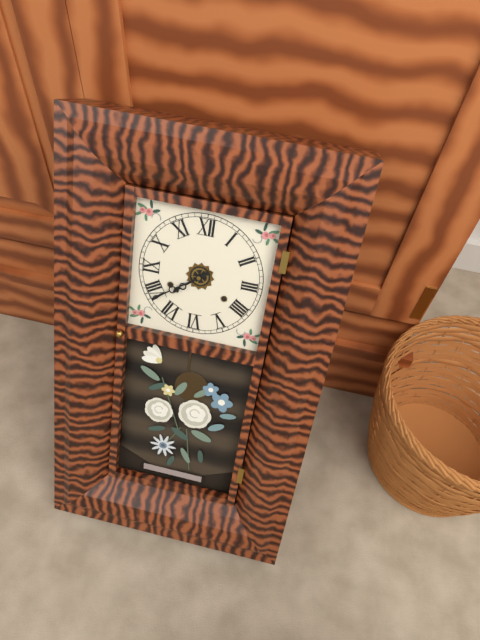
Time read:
7.39
